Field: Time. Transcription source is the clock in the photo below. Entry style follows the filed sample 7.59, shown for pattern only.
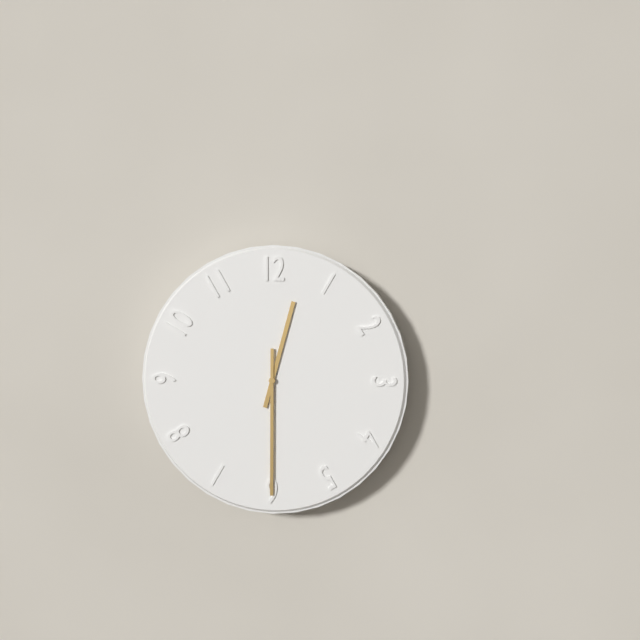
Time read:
12.30
